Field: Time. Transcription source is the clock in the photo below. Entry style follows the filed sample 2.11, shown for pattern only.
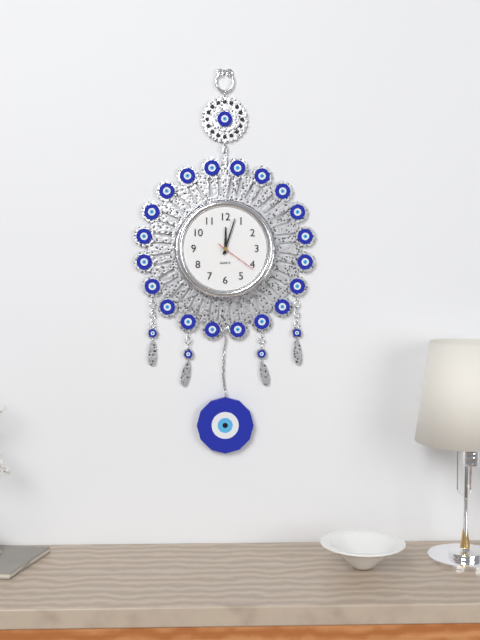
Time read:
12.03
